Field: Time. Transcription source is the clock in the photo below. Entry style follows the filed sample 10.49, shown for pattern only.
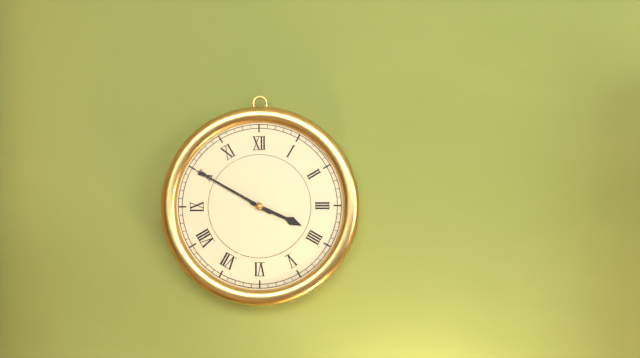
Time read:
3.50
